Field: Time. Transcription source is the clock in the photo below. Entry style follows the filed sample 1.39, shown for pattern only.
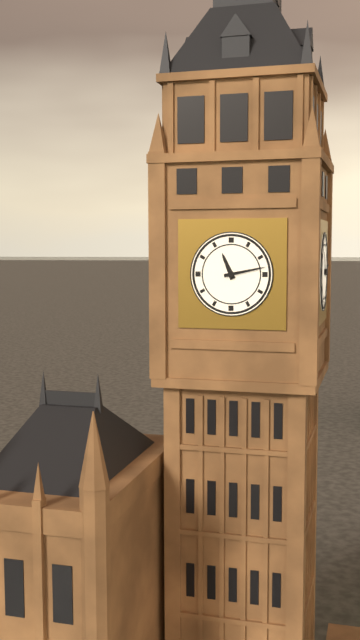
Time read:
11.13
